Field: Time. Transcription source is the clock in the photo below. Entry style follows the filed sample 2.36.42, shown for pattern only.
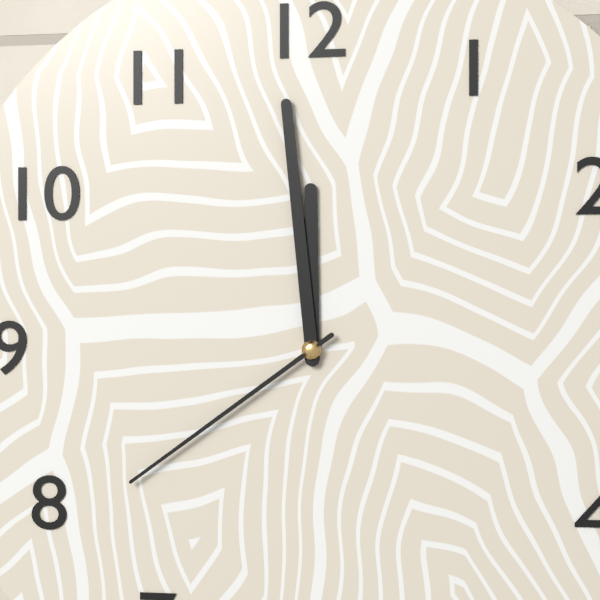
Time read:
11.59.39
